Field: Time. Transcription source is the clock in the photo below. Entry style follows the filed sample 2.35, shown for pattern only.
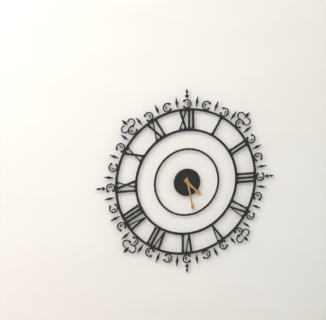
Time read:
4.28
